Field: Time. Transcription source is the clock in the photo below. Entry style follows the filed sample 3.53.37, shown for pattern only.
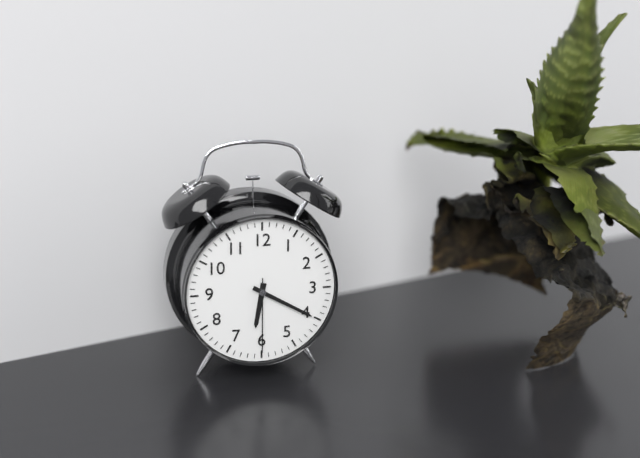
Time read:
6.20.30
